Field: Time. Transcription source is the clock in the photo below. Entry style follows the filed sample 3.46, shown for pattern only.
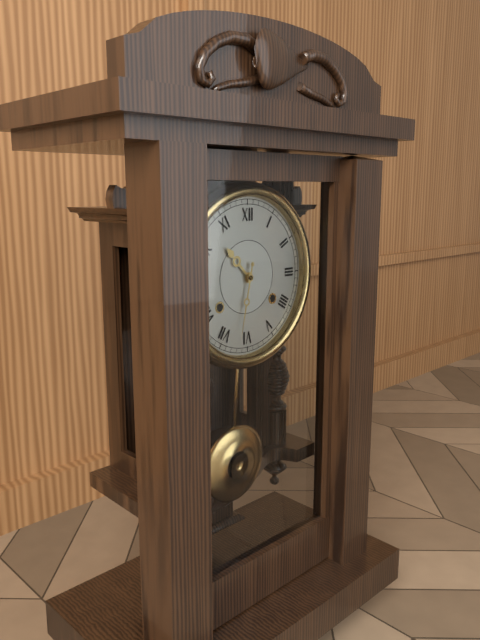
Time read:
10.32
